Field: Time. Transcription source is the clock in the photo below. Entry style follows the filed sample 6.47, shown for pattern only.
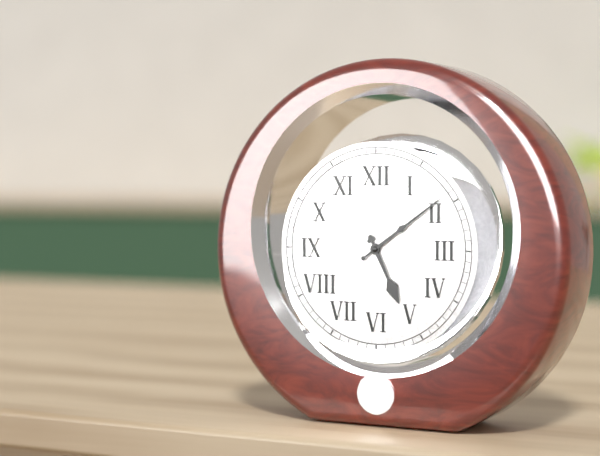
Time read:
5.09
